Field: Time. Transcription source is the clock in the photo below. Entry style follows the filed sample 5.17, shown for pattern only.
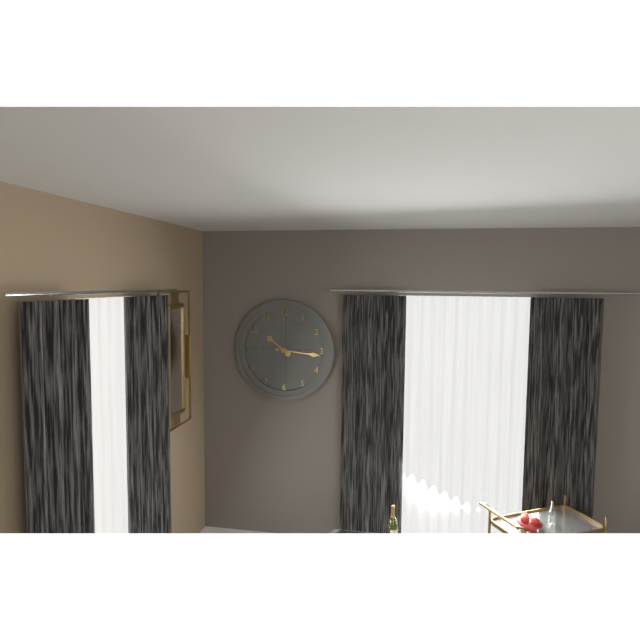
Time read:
10.16
